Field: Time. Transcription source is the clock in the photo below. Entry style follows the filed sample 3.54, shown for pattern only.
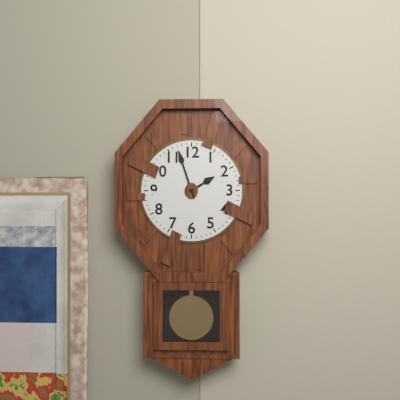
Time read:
1.57
